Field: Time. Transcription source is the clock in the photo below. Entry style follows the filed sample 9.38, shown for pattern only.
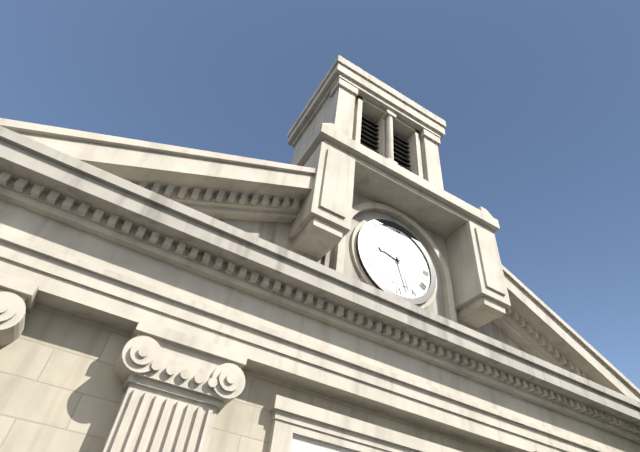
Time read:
9.27
